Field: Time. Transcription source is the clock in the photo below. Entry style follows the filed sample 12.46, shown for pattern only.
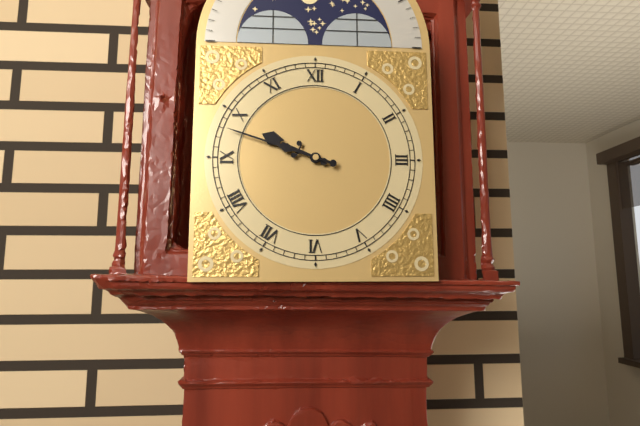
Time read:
9.48
